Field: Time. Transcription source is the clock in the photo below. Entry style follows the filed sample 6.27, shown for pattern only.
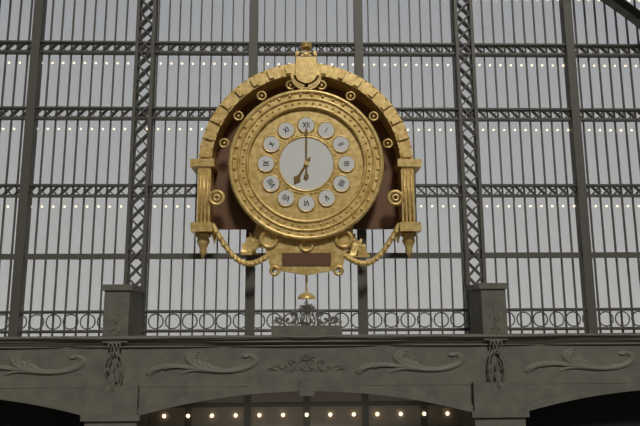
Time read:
7.00
